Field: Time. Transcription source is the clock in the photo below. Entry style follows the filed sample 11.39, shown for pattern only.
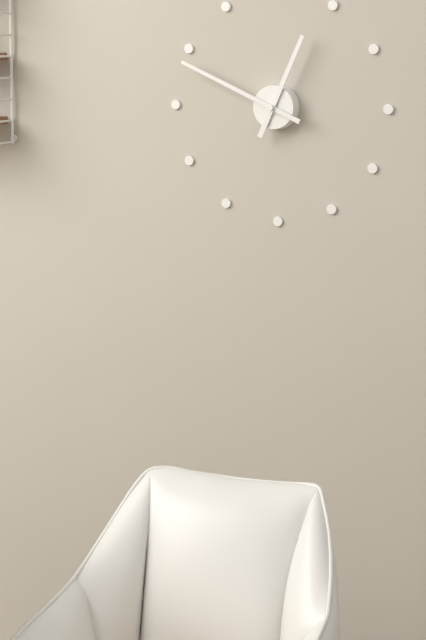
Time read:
12.49
